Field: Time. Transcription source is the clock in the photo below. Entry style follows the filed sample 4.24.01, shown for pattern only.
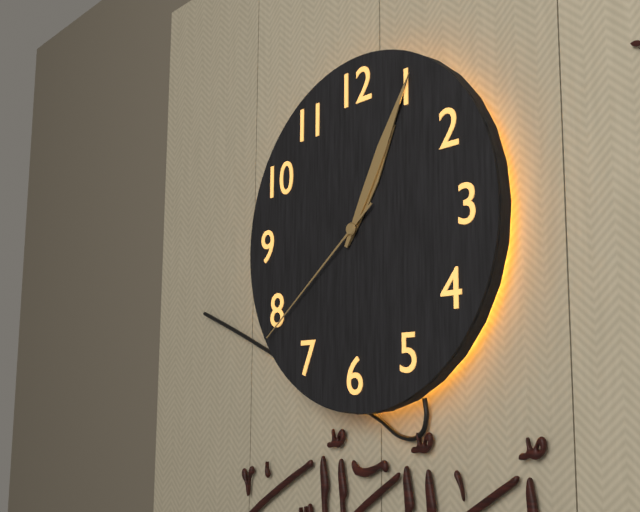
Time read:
1.05.39
